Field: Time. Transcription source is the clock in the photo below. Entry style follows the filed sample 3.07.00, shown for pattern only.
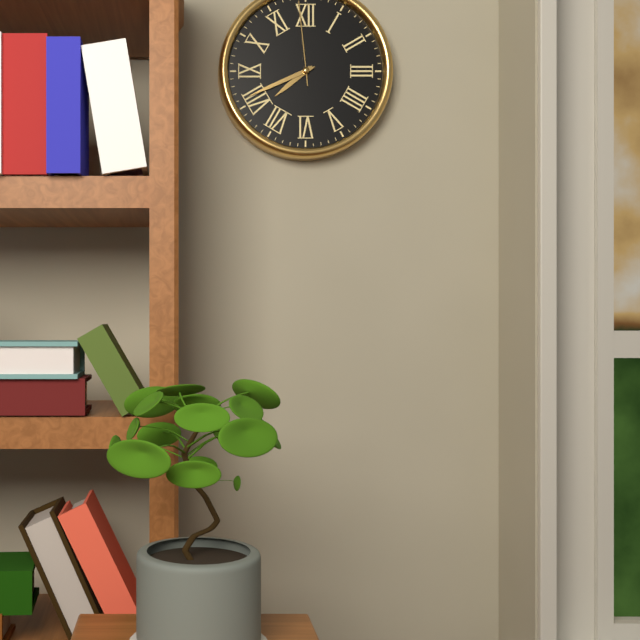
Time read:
7.41.59
